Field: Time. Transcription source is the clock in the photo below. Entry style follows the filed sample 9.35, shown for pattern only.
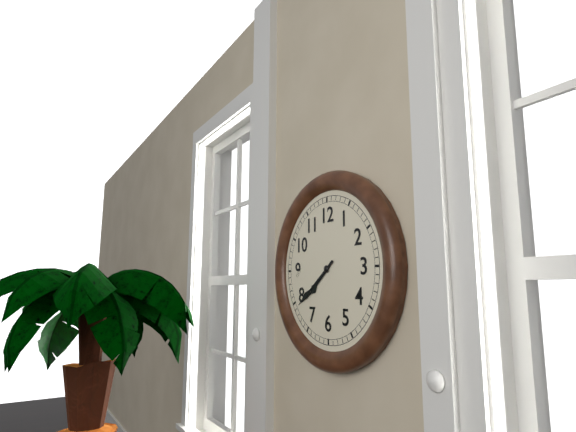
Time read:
7.39
